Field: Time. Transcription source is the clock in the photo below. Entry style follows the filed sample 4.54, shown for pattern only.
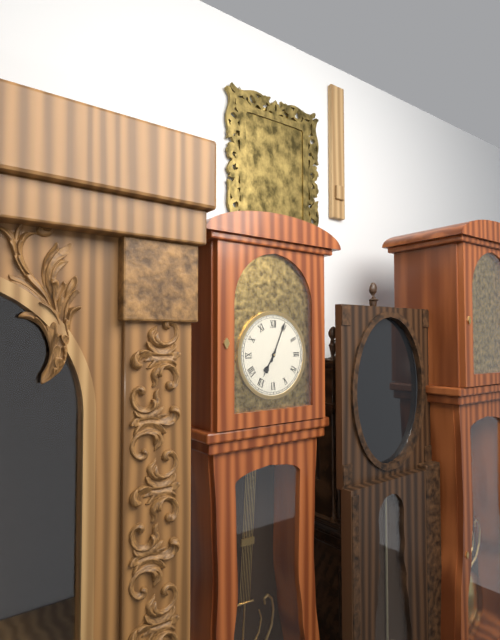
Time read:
7.04
